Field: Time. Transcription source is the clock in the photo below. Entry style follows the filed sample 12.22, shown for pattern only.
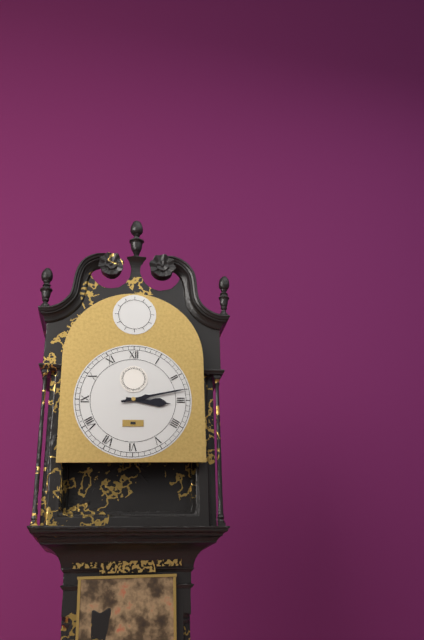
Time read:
3.13
